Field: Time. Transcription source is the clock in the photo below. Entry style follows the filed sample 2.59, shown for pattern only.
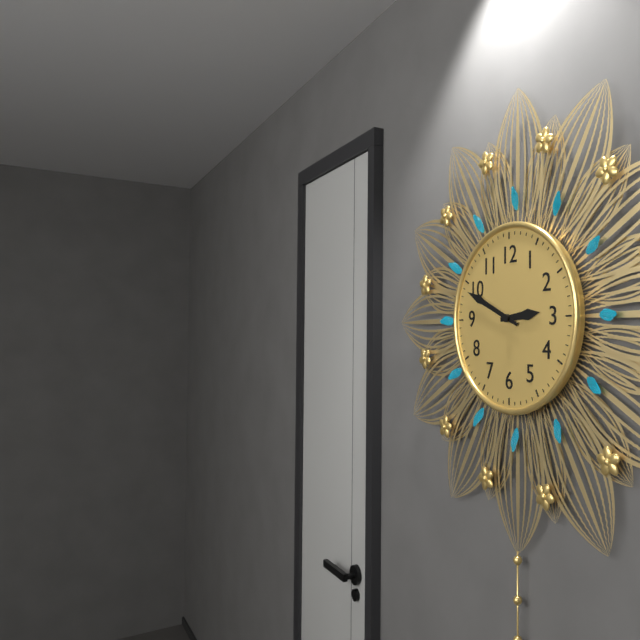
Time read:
2.49
